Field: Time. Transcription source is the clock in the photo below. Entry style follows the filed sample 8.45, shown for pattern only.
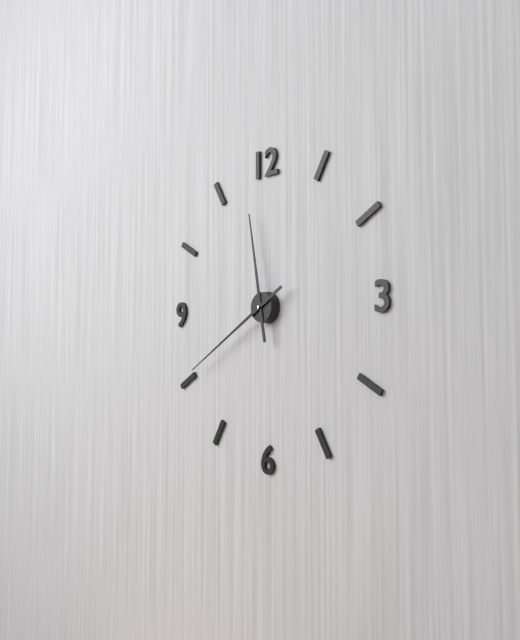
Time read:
11.40
